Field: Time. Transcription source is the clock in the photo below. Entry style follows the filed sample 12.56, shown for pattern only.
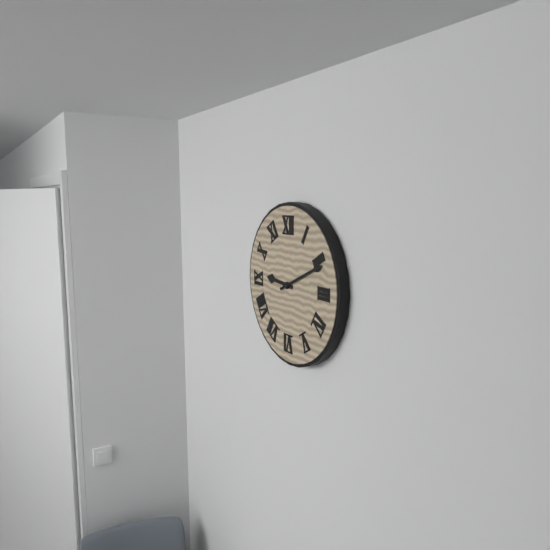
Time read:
9.11
